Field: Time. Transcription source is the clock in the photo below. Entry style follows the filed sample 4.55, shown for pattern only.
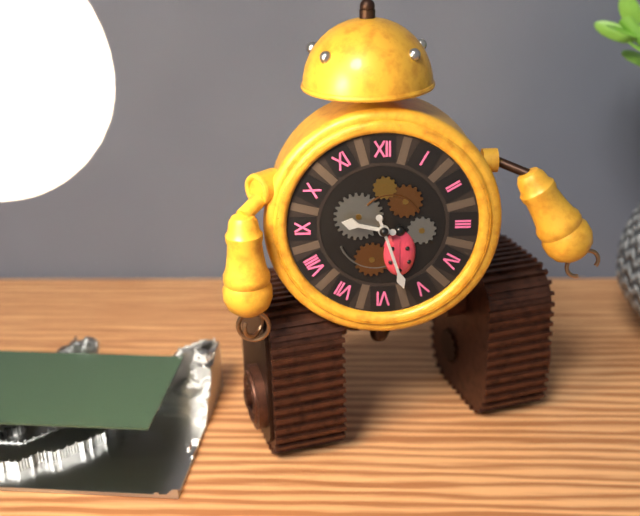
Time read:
9.27
